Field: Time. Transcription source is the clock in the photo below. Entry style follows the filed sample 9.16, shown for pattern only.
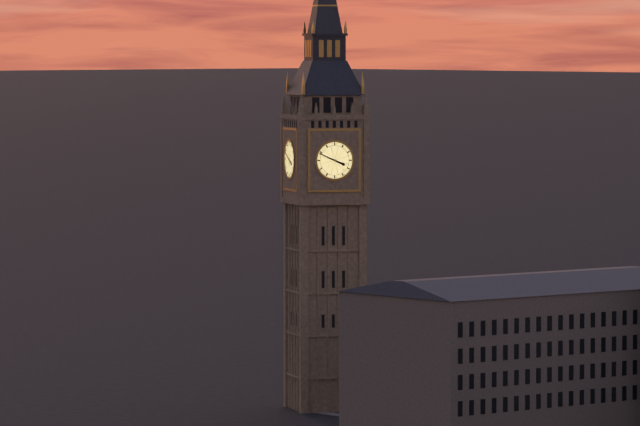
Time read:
3.49
